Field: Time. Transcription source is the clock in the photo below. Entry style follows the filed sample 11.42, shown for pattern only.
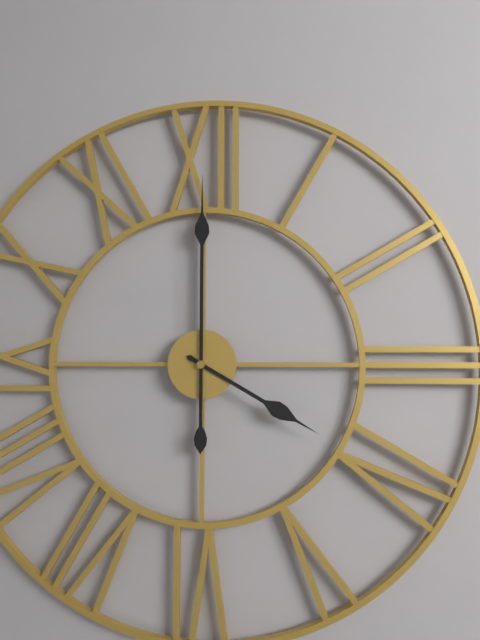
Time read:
4.00
